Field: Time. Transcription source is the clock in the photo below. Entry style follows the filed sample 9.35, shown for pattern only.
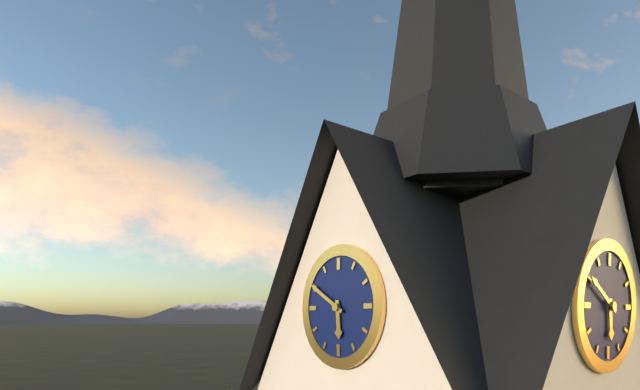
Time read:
5.50
